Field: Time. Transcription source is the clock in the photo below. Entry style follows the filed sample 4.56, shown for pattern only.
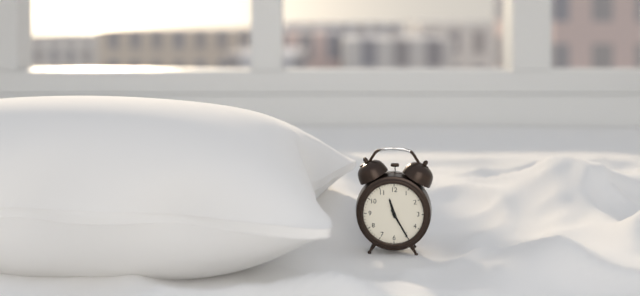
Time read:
11.25
